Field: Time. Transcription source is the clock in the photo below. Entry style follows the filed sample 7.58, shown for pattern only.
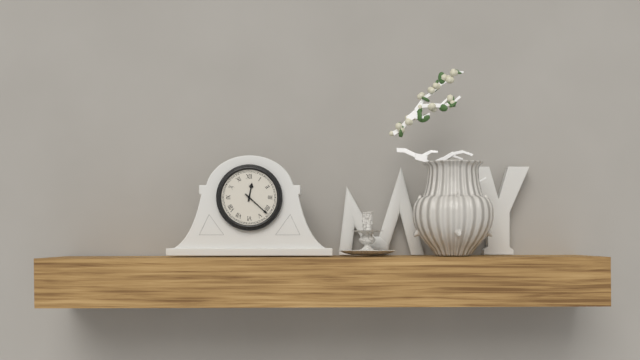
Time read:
12.22
